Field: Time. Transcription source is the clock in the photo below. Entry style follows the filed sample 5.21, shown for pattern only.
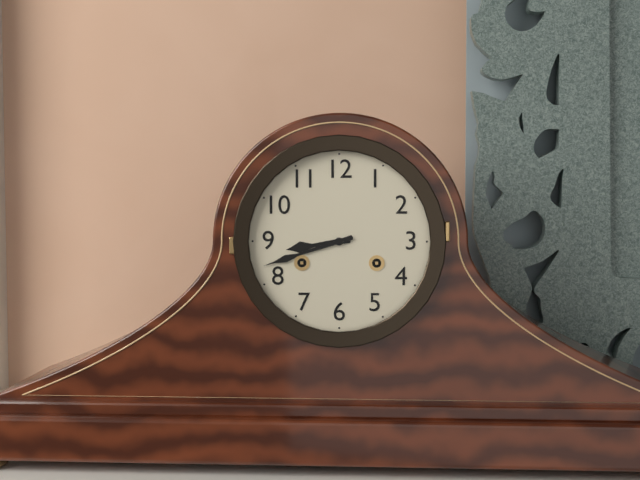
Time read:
8.42
